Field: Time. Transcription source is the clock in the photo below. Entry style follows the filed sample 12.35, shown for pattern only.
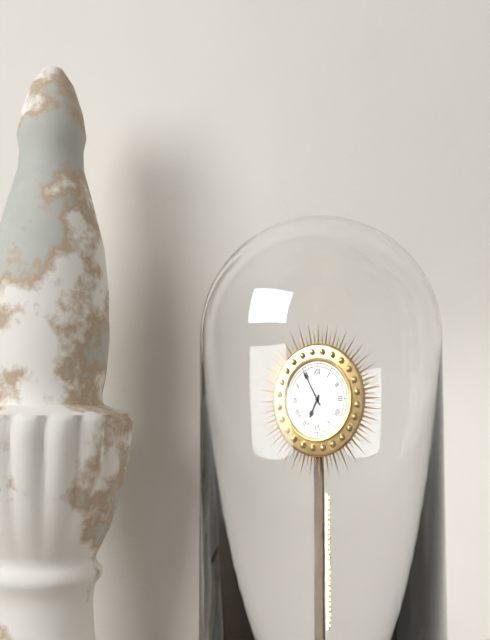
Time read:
6.55
